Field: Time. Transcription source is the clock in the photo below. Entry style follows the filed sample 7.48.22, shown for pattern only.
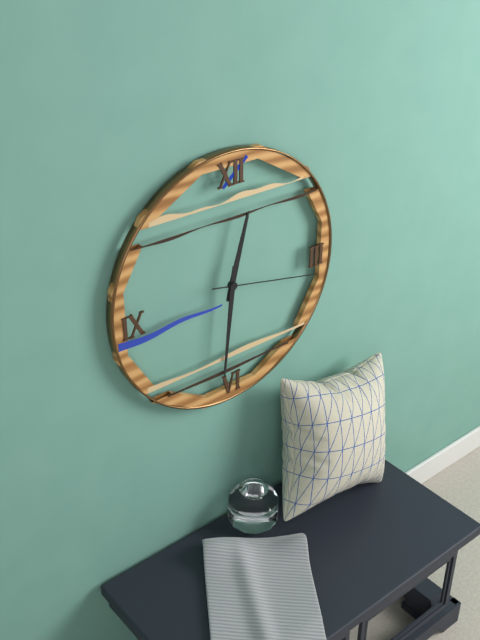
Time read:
12.31.17
